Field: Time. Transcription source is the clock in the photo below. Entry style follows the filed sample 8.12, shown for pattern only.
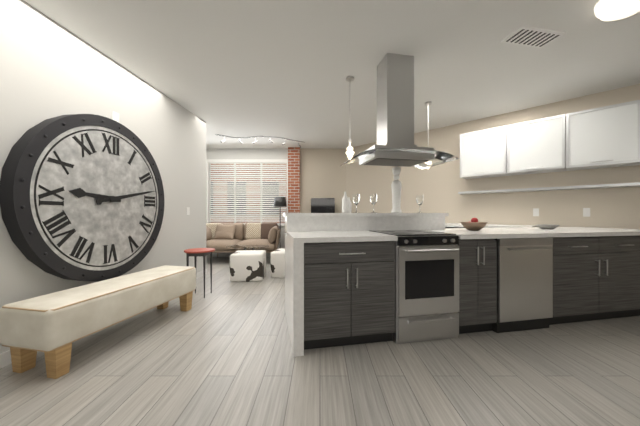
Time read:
9.13
